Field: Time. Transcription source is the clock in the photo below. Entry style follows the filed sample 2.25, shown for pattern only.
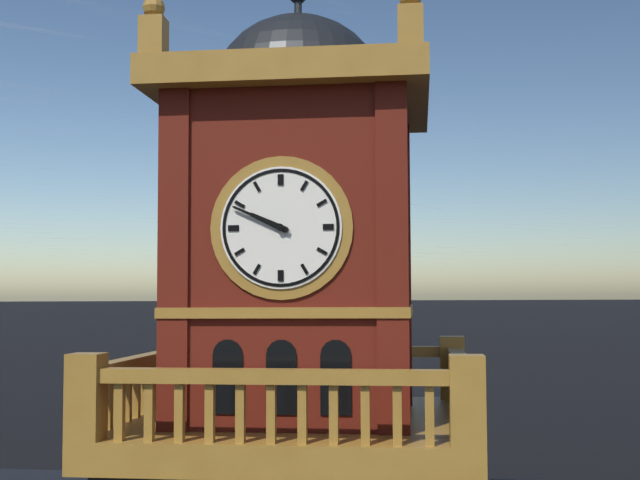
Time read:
9.49
